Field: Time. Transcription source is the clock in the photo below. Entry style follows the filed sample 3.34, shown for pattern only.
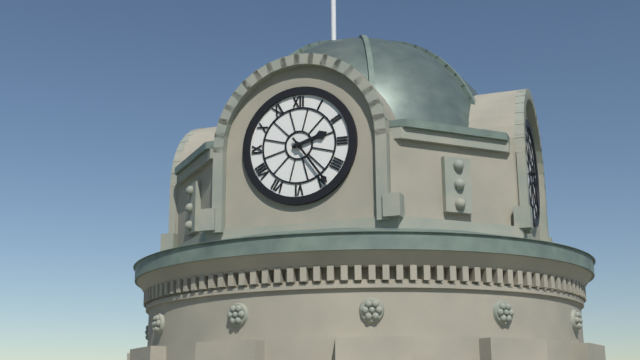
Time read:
2.24
